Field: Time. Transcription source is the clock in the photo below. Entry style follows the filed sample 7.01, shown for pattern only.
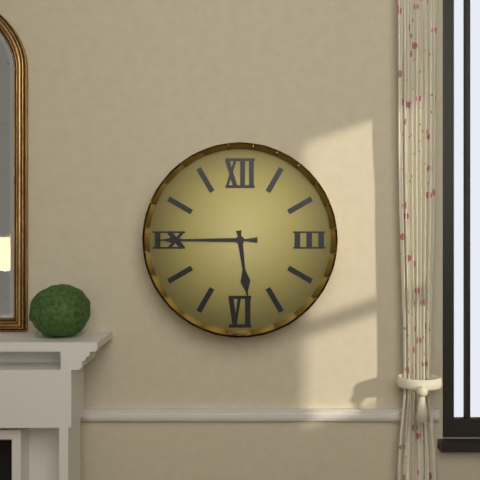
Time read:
5.45
